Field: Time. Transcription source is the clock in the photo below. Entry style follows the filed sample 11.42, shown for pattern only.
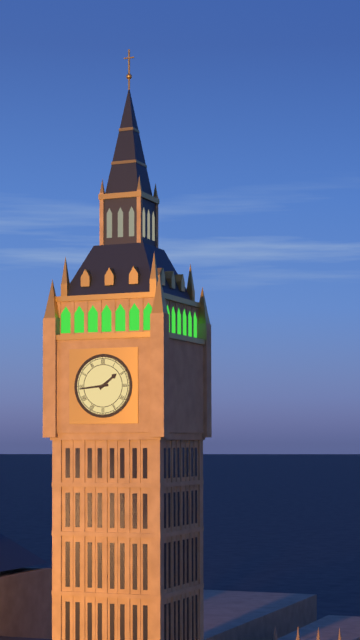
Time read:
1.44
